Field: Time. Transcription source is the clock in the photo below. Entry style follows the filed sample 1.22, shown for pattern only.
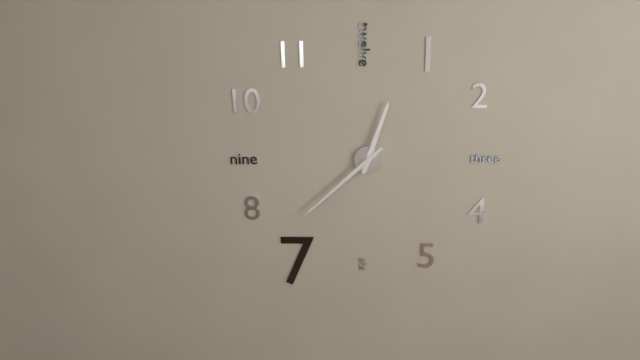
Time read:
12.38
